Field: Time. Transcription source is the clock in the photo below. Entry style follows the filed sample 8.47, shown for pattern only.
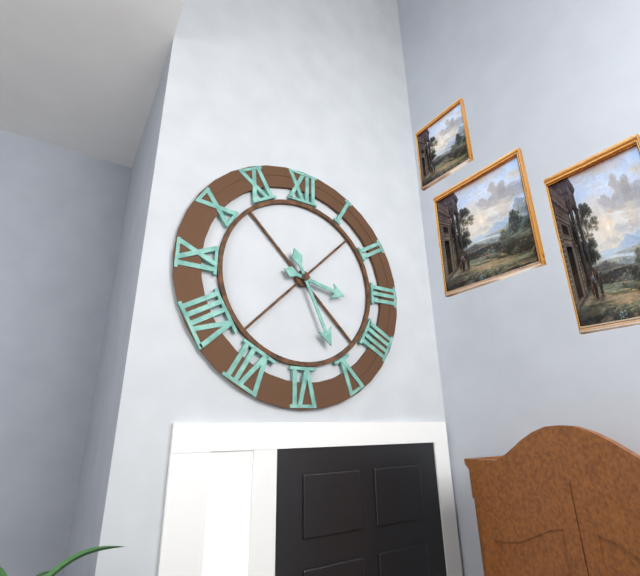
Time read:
3.26
